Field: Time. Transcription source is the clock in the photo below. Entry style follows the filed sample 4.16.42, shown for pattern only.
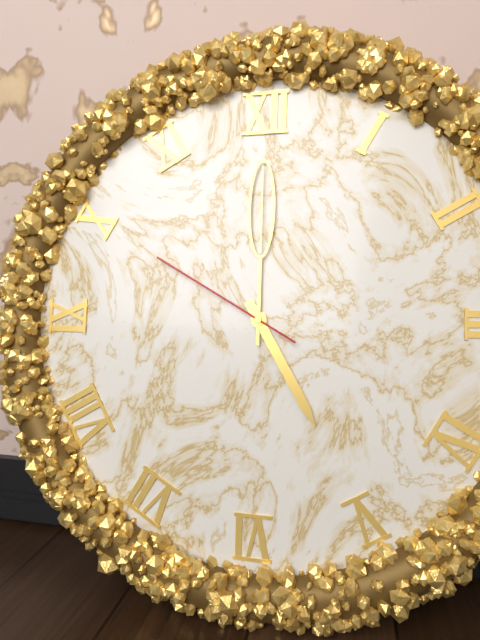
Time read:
5.00.50
